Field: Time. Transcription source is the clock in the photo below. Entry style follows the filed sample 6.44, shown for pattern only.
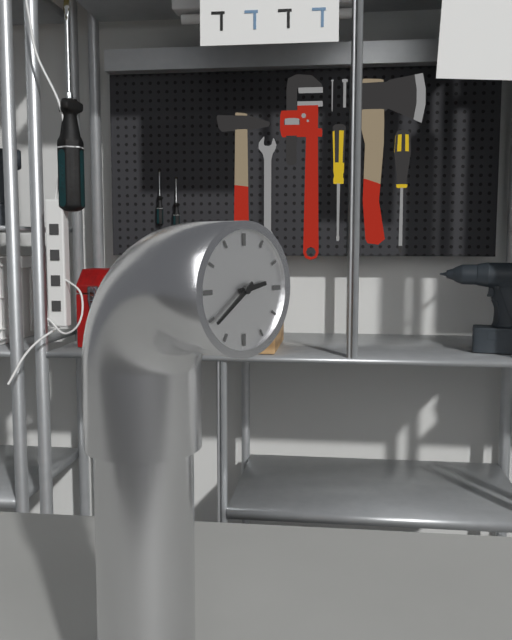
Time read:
2.39
